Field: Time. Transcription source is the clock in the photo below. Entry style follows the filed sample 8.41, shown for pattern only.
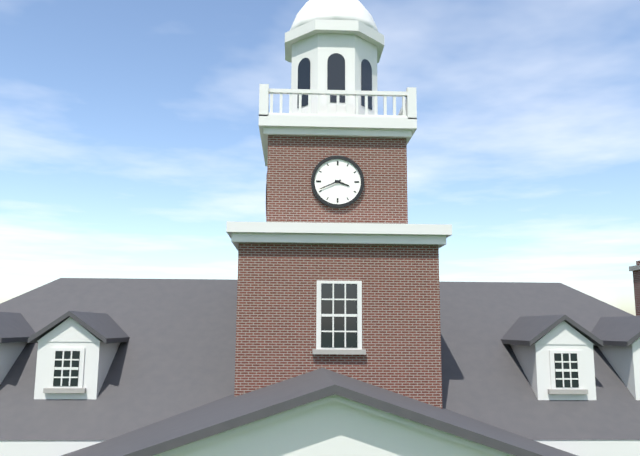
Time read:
3.41
